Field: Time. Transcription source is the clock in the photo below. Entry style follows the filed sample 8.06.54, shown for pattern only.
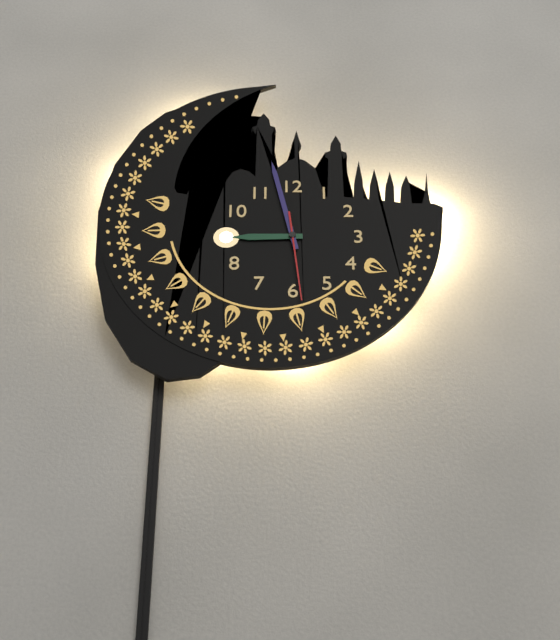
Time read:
8.58.29
